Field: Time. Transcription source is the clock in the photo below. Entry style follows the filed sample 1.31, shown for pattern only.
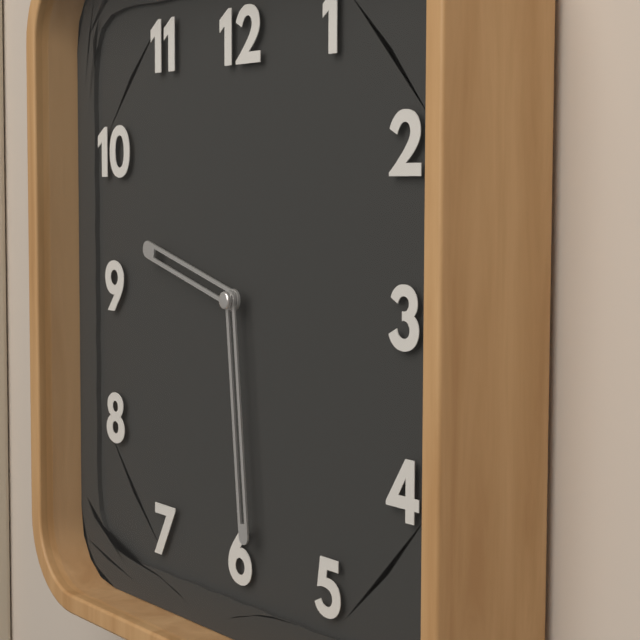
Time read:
9.29
